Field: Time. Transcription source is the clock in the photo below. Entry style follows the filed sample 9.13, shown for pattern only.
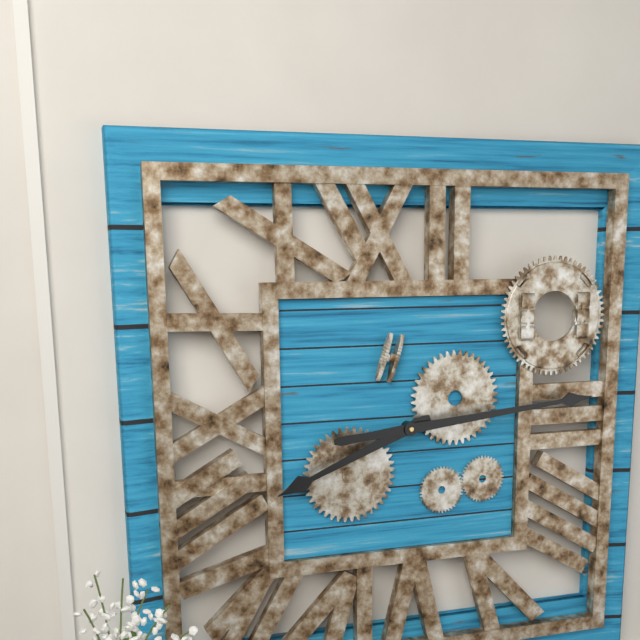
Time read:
8.14
